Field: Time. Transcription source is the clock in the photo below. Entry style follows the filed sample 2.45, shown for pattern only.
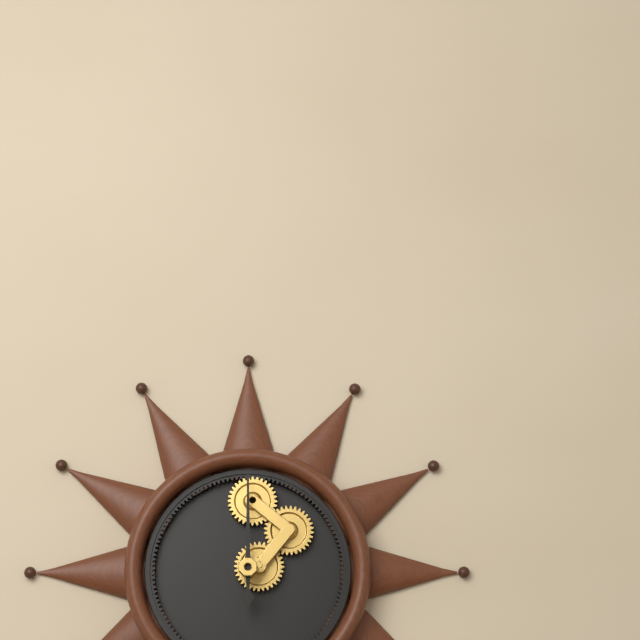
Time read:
6.00
